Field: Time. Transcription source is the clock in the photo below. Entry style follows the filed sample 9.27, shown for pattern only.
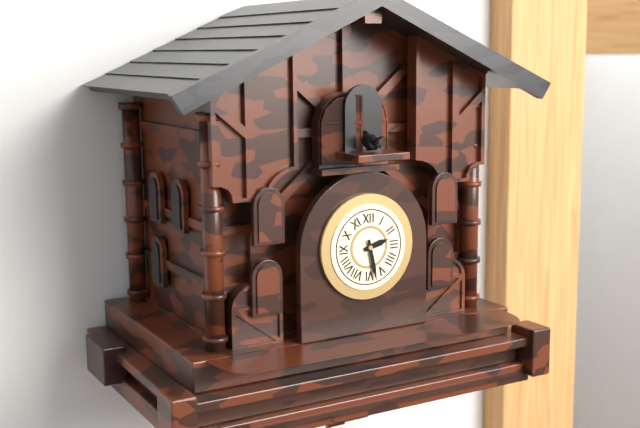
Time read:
2.28
